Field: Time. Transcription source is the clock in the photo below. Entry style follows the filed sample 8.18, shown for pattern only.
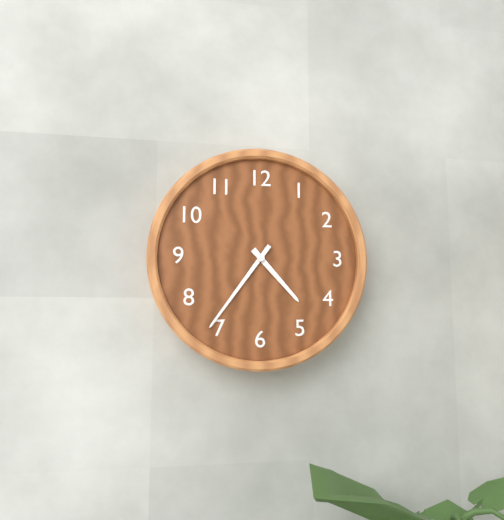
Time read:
4.36
